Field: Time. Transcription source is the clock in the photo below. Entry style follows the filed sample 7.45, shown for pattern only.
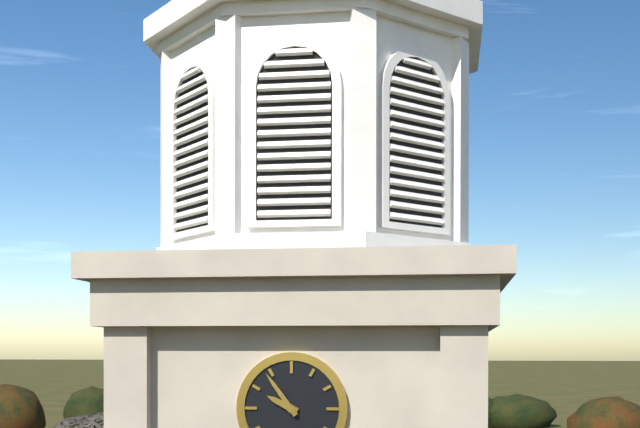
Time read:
9.54
